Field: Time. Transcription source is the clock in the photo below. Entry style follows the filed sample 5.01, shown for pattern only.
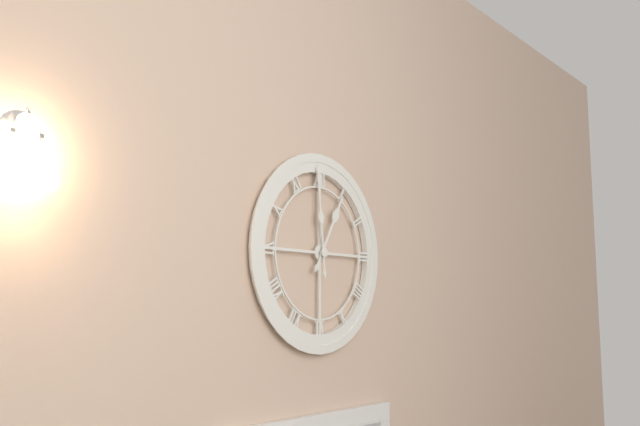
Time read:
12.59
